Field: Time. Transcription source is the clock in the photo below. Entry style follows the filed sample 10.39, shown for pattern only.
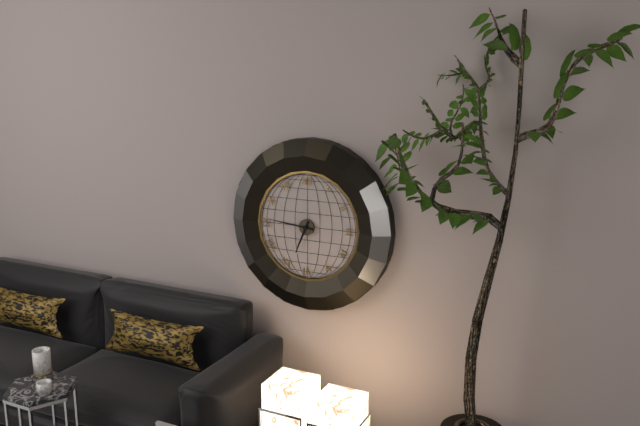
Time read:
6.46
